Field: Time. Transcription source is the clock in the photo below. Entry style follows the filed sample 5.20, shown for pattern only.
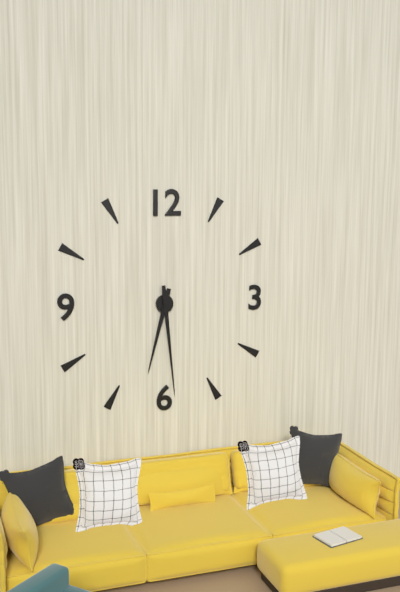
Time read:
6.29
